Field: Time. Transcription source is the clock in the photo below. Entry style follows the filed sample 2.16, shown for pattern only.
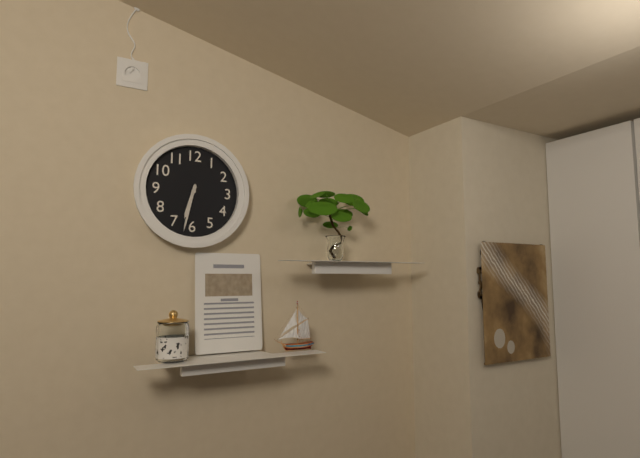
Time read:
6.32
